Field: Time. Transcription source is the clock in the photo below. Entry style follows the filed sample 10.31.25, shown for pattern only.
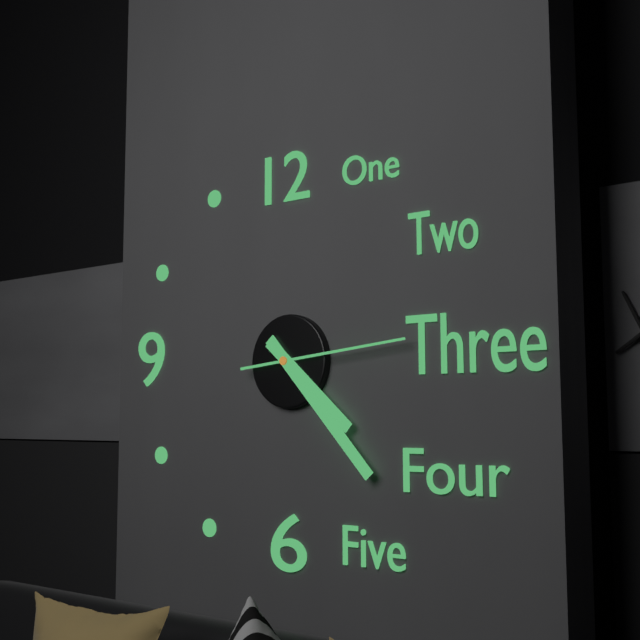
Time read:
4.23.14
